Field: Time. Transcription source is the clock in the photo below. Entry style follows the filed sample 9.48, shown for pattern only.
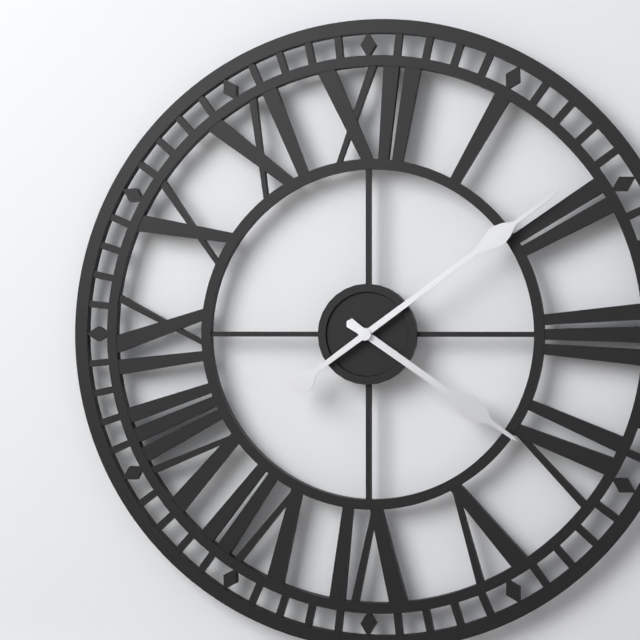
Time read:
4.09
